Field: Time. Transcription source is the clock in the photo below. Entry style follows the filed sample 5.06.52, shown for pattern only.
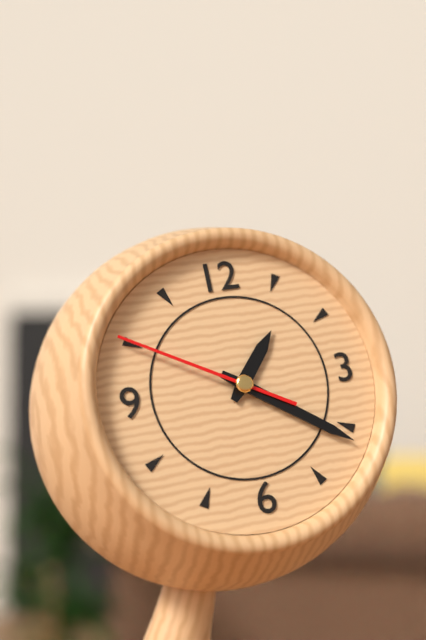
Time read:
1.21.50
